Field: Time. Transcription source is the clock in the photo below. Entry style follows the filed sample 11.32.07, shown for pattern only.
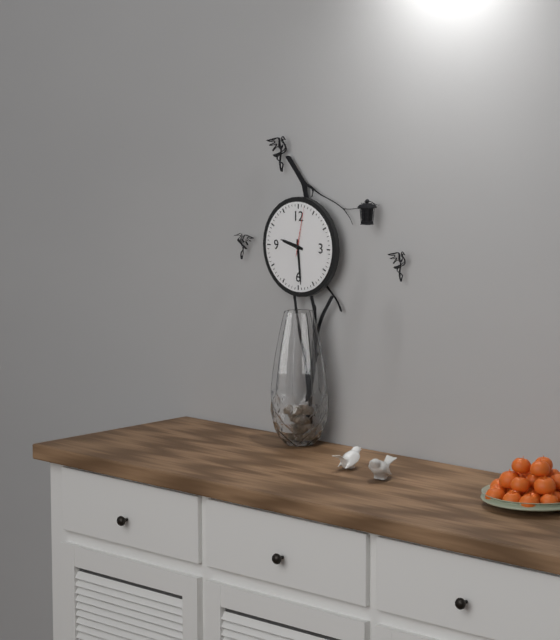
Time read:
9.29.02
